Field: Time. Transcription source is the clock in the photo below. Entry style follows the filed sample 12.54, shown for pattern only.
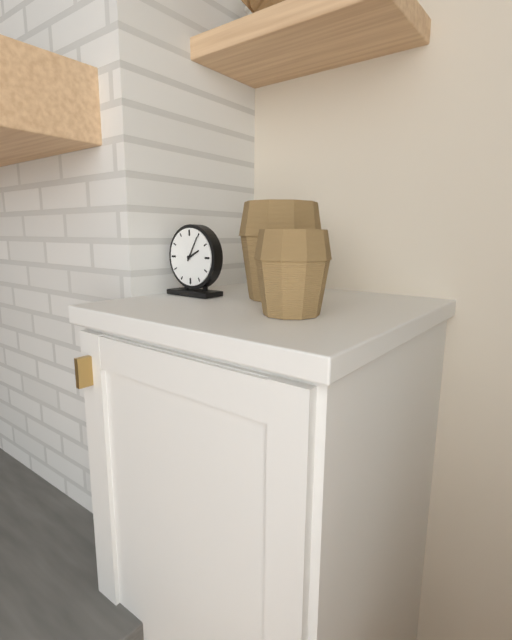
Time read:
2.05
